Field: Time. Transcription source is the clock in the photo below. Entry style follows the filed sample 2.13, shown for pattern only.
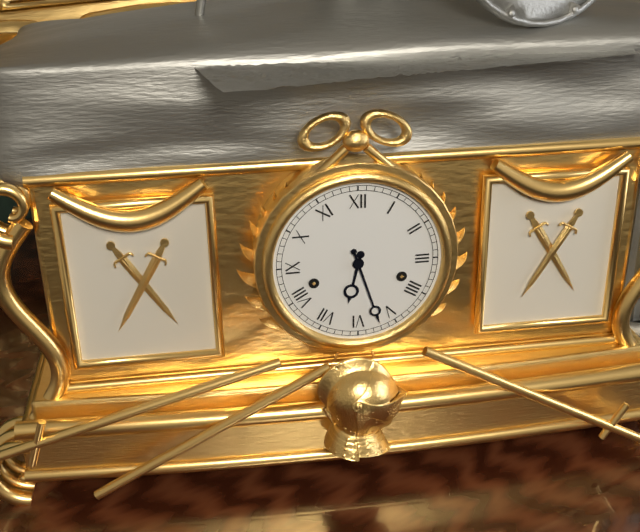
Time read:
6.27
